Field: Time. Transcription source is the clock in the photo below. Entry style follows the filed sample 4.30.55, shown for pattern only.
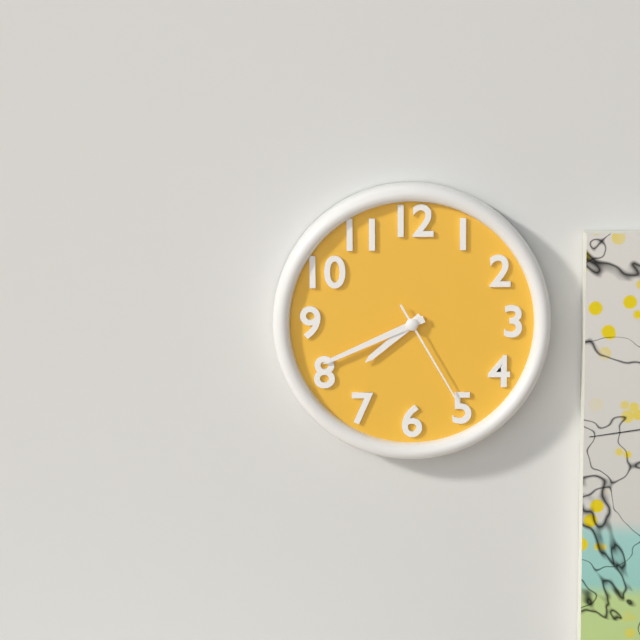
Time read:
7.41.25
